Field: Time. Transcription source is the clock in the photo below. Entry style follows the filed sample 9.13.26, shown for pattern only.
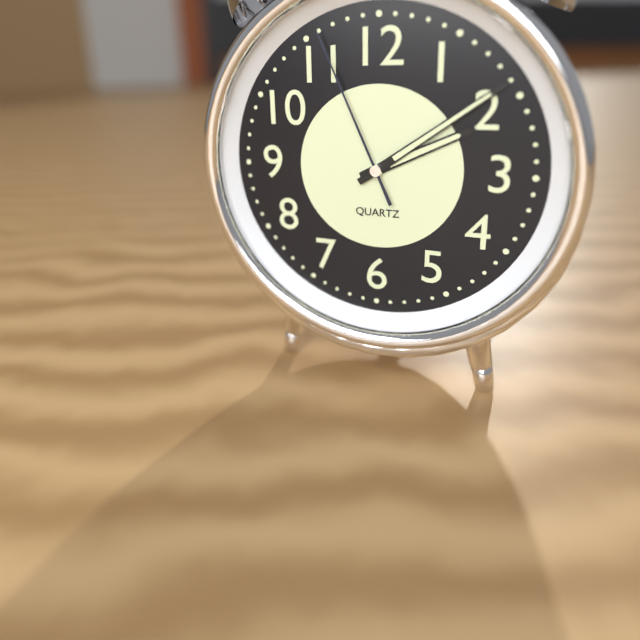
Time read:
2.09.56
